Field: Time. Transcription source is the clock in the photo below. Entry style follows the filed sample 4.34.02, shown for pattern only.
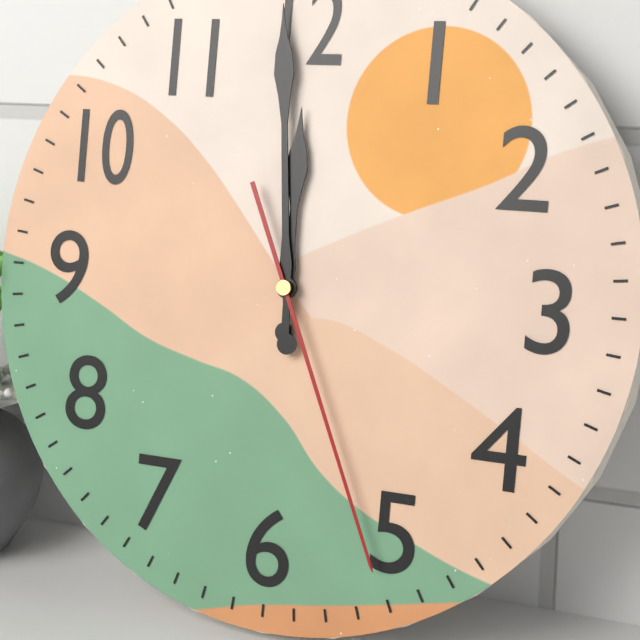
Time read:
11.59.26
